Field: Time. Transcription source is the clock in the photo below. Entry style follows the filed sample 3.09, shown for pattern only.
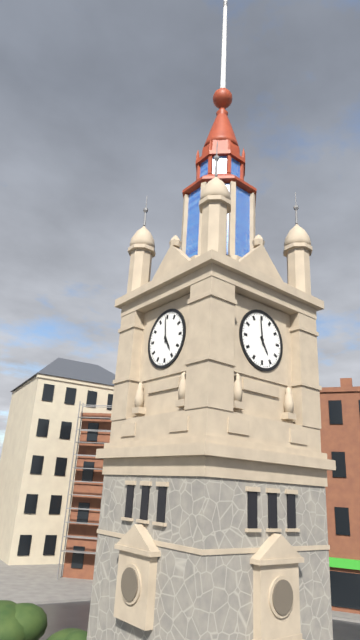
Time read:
4.59
